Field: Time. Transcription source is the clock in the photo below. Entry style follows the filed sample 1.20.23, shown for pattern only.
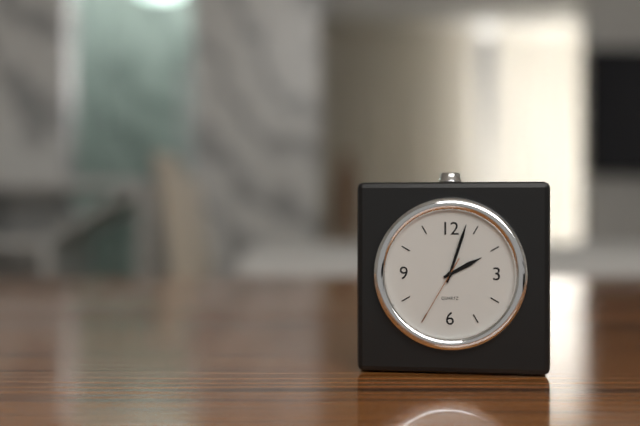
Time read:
2.03.35
